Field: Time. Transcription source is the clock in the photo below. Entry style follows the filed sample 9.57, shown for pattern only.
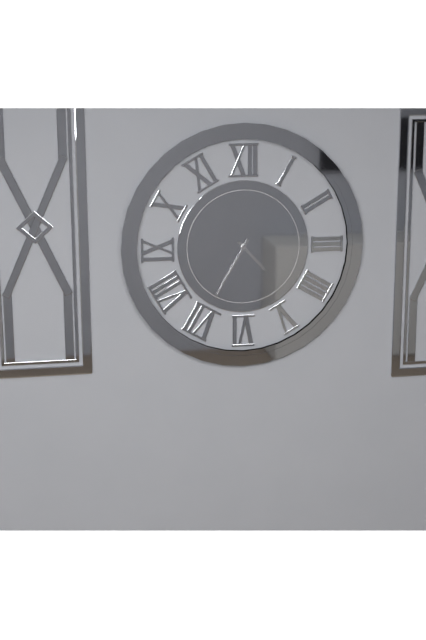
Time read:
4.35
